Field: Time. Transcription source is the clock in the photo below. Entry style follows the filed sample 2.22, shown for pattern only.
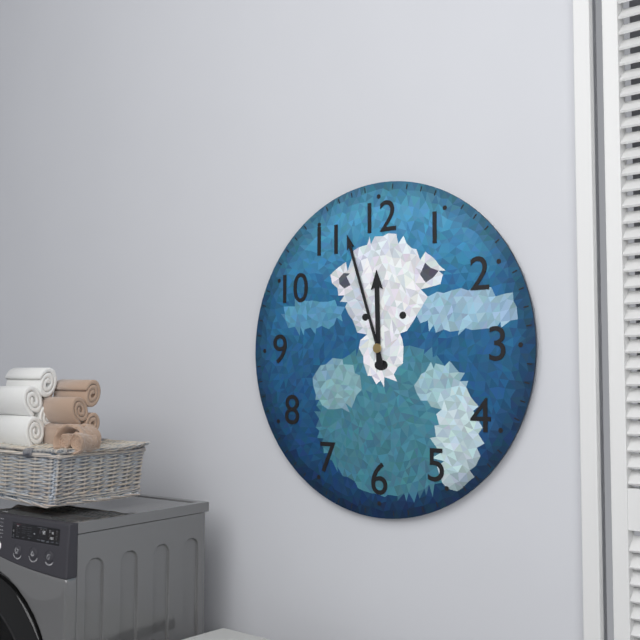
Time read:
11.57
